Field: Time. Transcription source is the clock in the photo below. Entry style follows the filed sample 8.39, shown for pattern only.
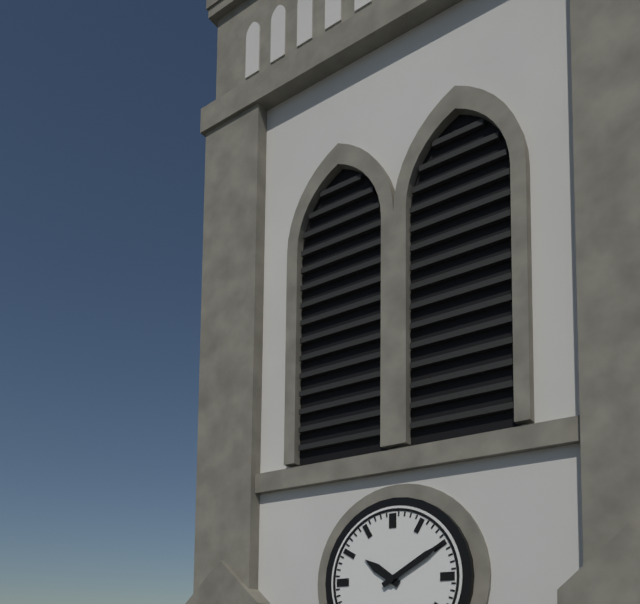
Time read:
10.10
